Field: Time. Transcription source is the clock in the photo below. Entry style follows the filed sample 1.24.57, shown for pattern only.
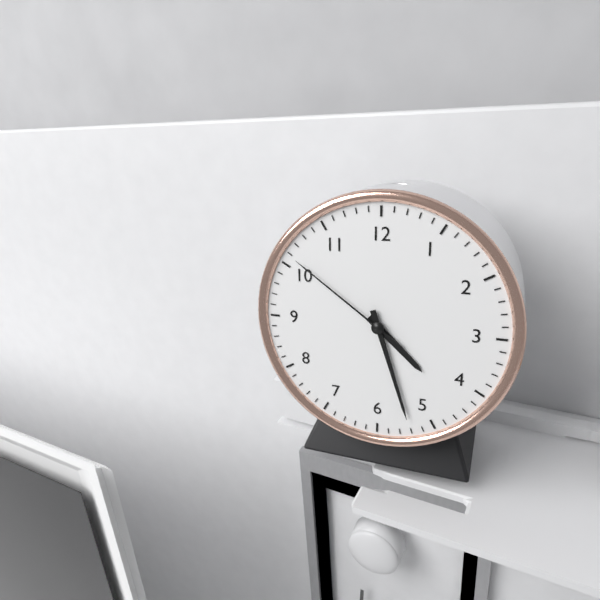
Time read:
4.27.51
